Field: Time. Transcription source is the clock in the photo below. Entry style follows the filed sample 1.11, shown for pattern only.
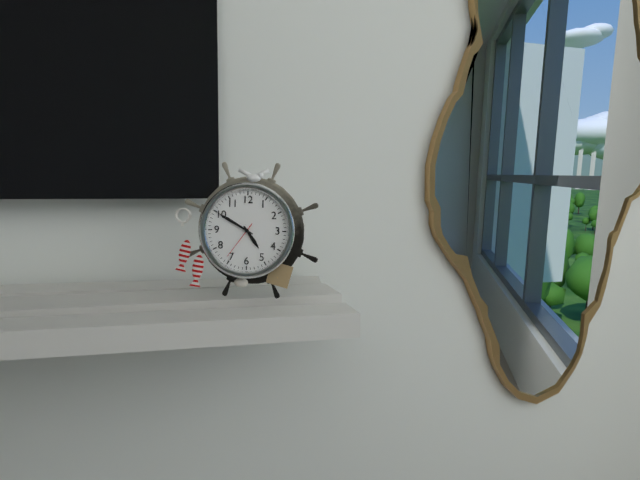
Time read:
4.50
